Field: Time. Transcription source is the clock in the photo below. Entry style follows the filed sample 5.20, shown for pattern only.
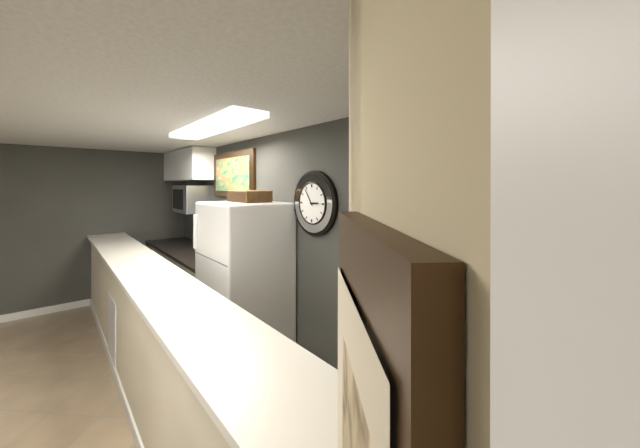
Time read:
2.54
